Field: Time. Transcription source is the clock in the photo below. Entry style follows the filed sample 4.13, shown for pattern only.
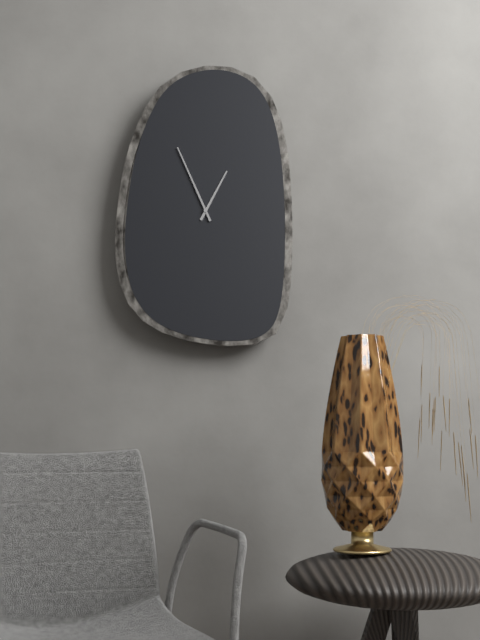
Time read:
12.56
